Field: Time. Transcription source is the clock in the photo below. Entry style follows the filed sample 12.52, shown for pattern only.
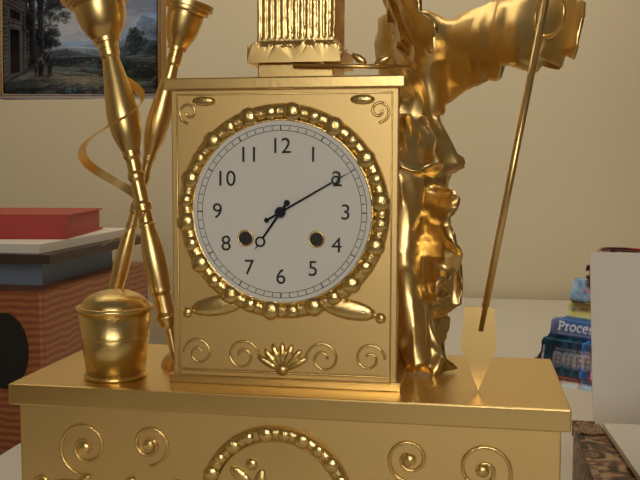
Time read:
7.10
